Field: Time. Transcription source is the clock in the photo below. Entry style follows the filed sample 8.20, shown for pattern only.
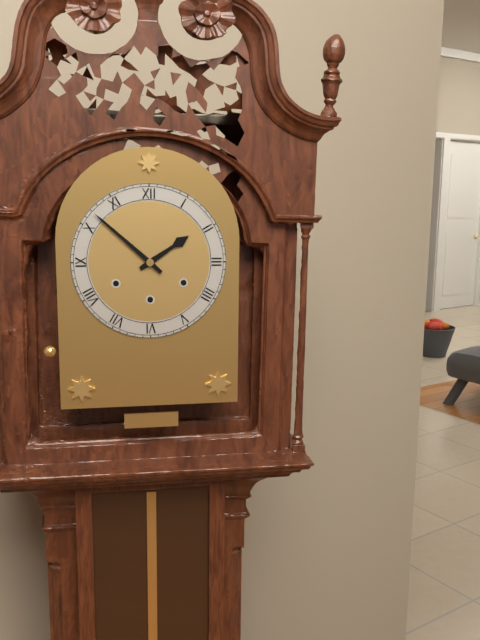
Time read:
1.52
